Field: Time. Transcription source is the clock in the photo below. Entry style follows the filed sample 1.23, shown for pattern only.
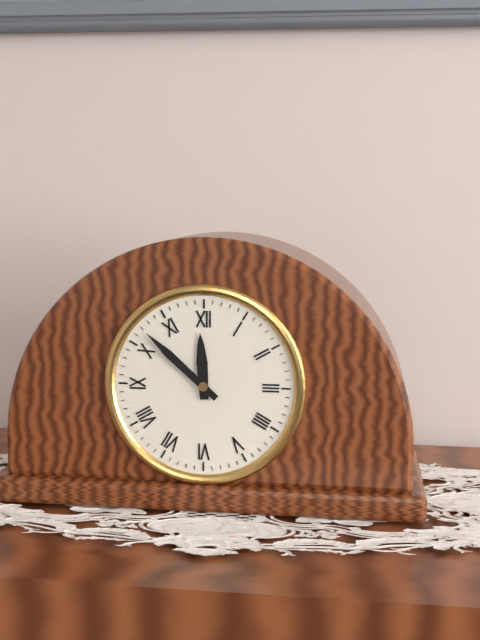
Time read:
11.52
